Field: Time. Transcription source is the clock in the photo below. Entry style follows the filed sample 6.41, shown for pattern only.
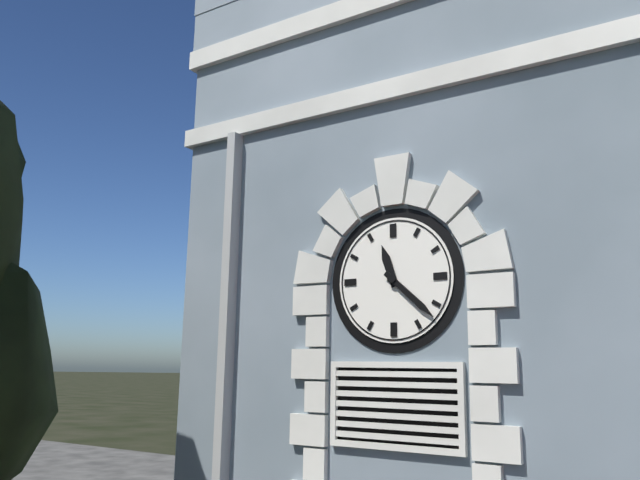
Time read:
11.22
